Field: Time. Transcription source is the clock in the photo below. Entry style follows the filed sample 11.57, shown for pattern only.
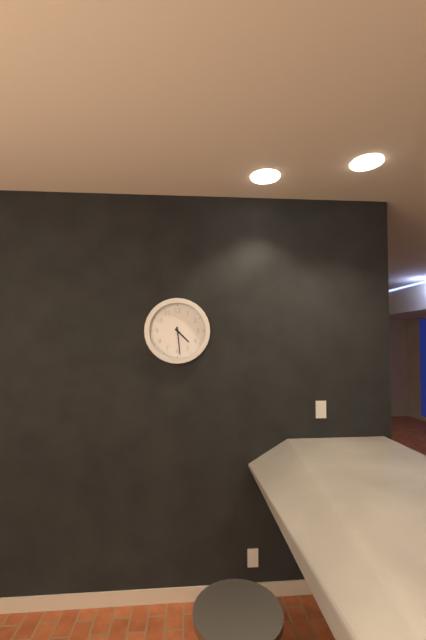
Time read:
4.29
